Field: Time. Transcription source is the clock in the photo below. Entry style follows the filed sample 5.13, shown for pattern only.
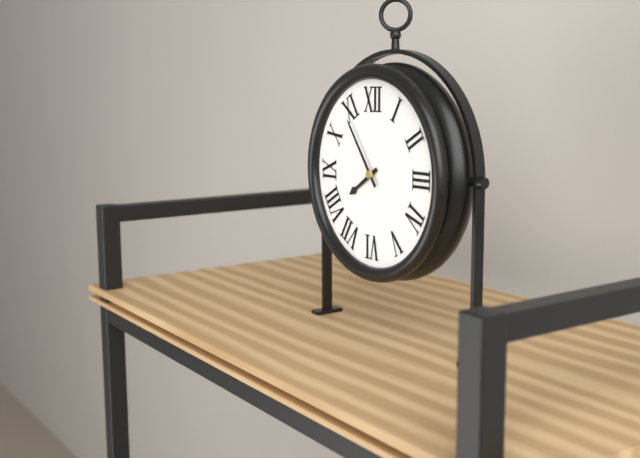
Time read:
7.54
